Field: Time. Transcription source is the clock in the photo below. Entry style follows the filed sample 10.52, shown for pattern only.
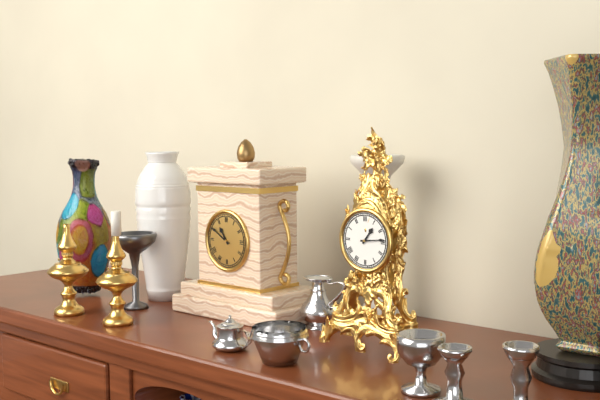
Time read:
1.14
